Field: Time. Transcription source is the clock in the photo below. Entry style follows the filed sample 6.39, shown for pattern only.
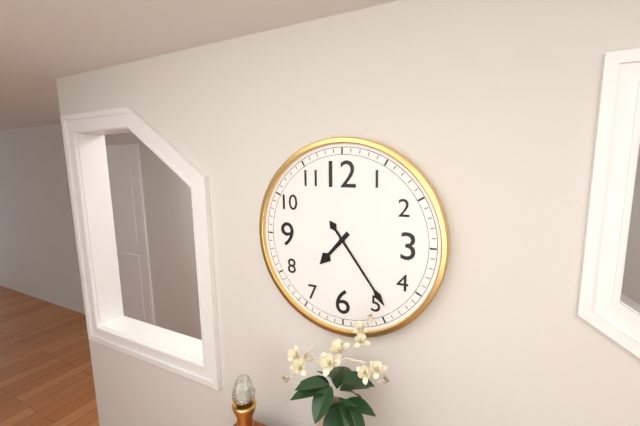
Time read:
7.24
